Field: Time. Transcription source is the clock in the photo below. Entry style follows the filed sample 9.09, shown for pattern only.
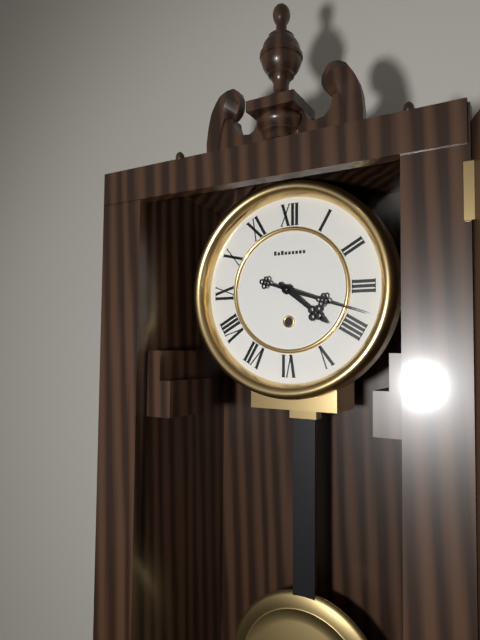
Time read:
4.18
